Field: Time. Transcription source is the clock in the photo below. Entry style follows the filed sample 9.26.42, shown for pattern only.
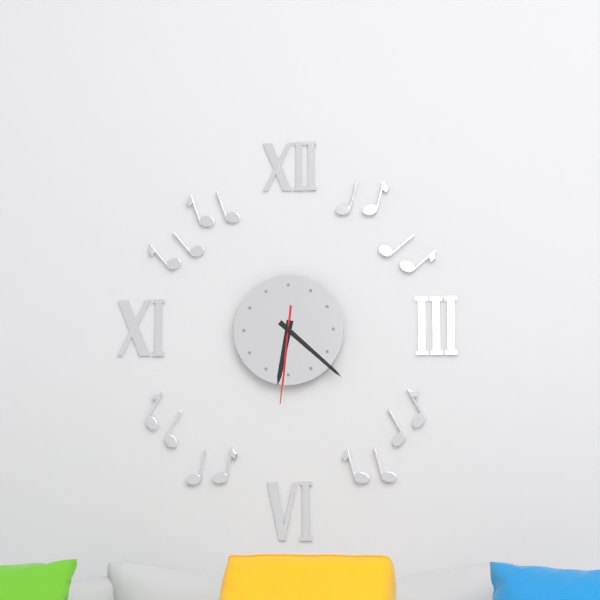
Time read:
6.22.31
